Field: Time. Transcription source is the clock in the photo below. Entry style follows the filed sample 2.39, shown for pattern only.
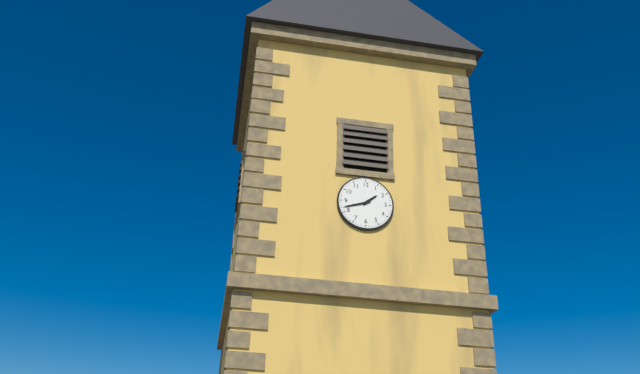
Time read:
1.42
